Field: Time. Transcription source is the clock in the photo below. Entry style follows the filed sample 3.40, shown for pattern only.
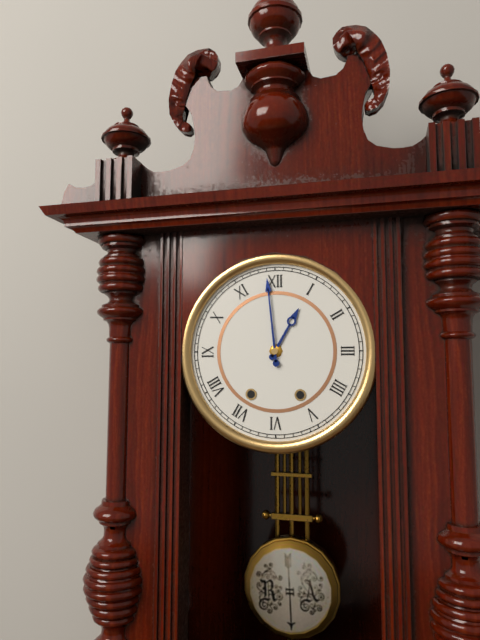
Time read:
12.59
